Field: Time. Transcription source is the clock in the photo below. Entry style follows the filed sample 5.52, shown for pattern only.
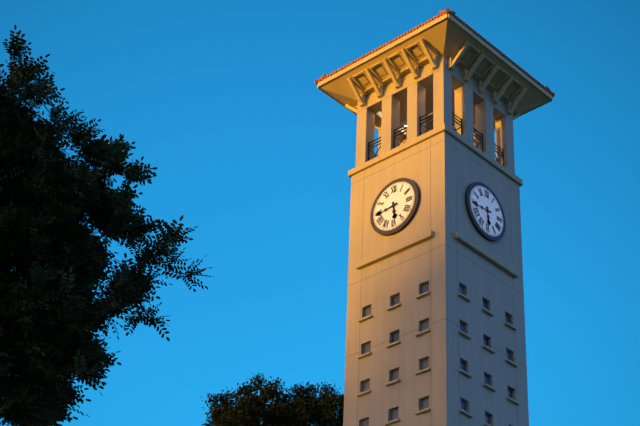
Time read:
5.44
